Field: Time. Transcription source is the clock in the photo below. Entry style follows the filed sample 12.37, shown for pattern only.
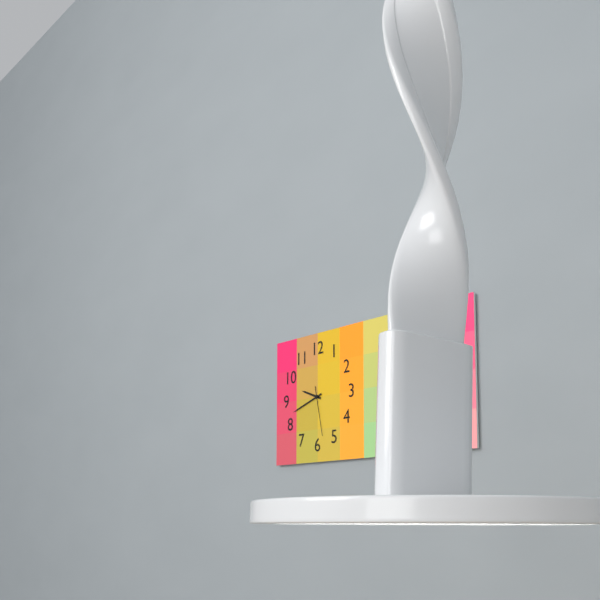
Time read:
9.42
